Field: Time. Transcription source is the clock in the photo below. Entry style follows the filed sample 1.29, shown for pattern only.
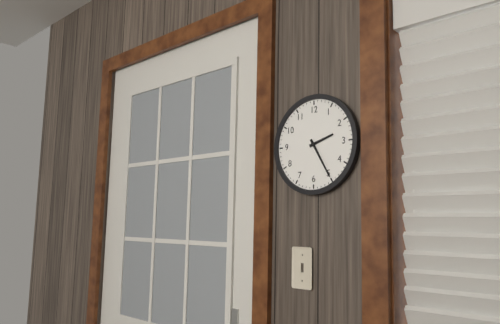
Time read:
2.25
